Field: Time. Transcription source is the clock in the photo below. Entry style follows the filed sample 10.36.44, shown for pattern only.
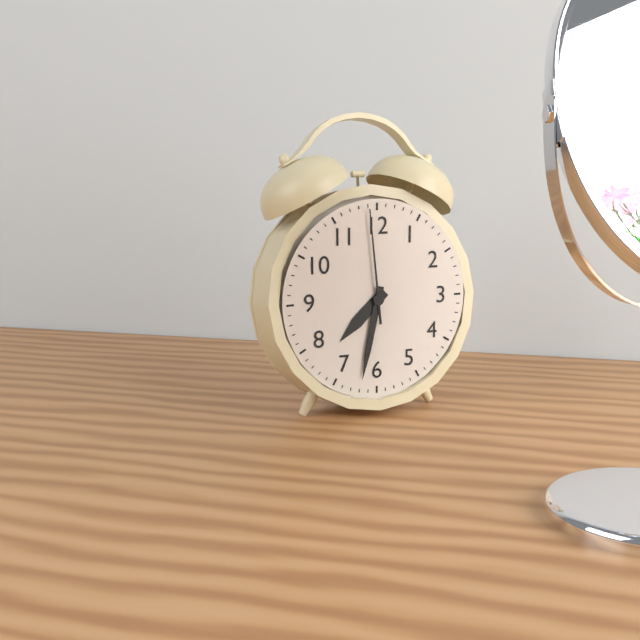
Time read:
7.32.59
